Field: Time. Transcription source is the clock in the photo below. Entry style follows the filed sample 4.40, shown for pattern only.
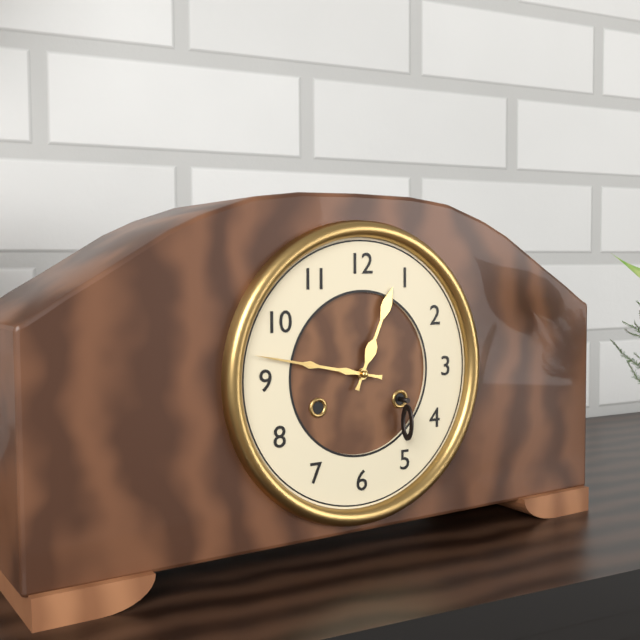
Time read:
12.47
